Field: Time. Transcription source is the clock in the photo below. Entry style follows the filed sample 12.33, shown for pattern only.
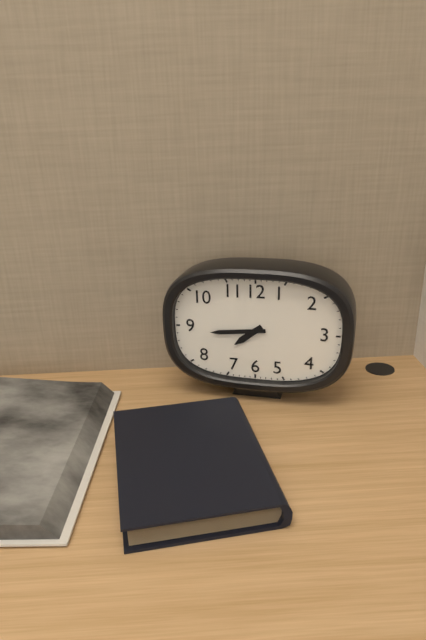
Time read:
7.44
